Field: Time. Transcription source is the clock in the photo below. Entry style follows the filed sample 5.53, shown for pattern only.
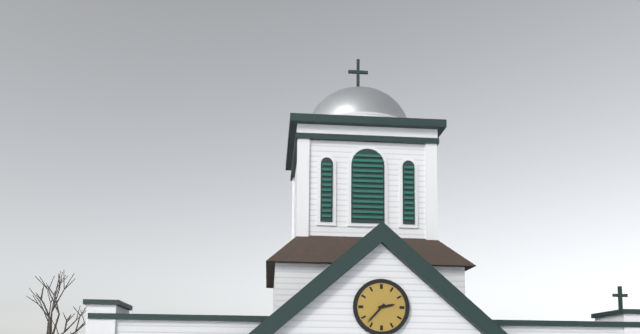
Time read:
2.37
